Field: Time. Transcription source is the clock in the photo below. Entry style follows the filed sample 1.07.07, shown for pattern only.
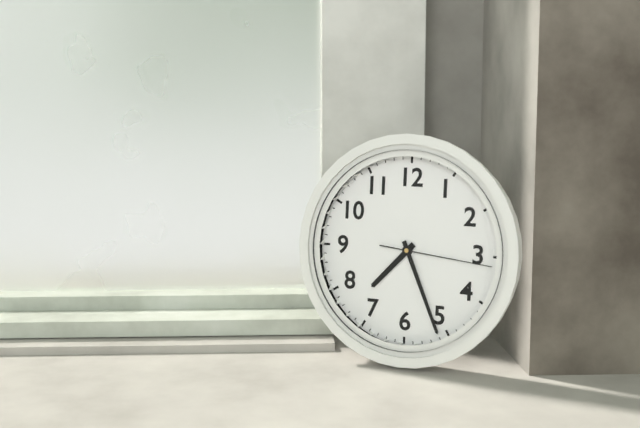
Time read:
7.26.16
